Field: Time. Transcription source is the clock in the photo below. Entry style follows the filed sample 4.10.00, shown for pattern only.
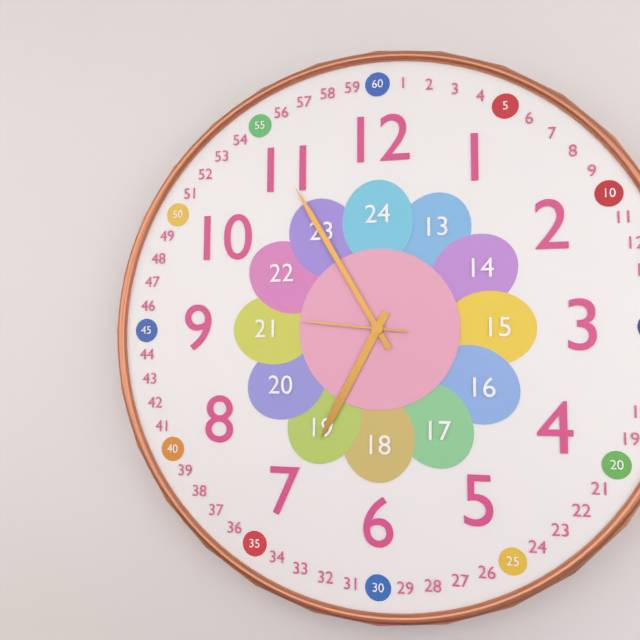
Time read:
6.55.46
